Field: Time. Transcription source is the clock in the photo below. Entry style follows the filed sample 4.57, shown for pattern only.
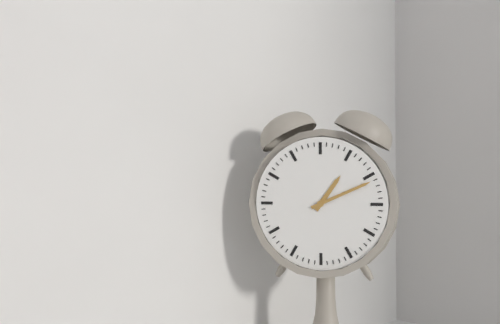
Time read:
1.11
